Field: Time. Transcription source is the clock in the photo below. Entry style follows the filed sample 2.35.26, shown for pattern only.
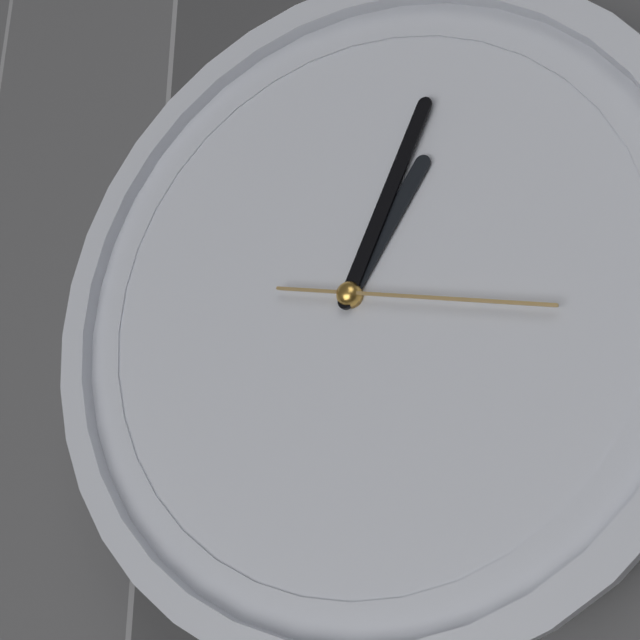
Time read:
1.04.17
